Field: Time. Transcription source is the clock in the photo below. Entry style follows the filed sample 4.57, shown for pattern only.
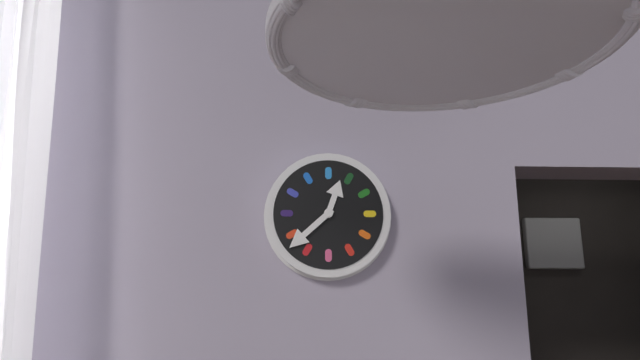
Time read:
12.38
